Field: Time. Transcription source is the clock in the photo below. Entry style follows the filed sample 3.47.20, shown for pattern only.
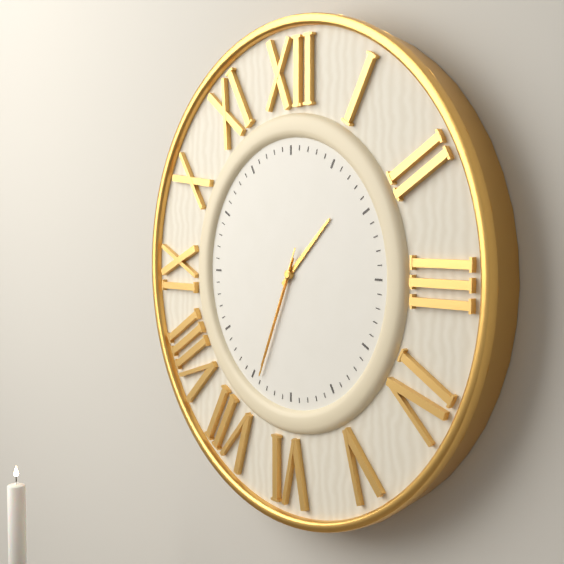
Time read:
1.34.34
